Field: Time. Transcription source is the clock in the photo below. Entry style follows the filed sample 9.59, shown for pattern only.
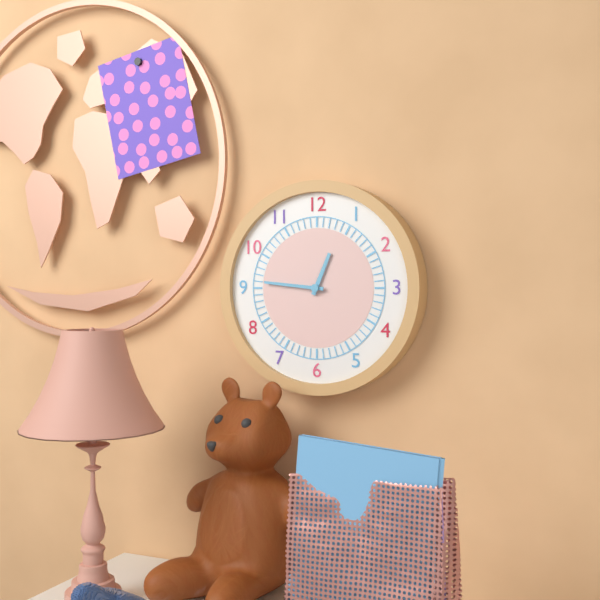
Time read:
12.46
